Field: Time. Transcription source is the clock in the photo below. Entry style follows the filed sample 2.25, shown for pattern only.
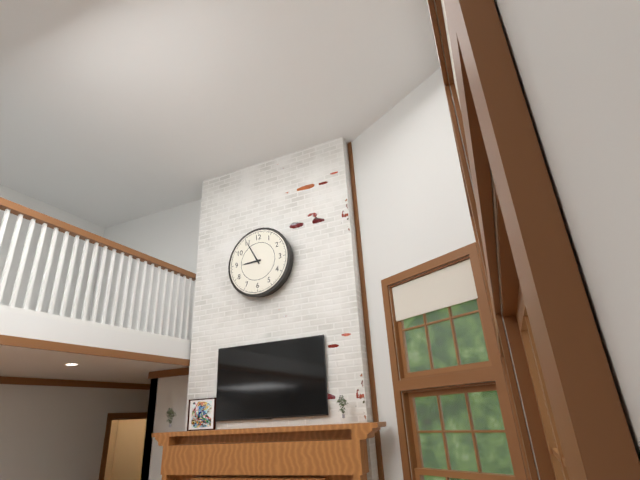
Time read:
8.55
